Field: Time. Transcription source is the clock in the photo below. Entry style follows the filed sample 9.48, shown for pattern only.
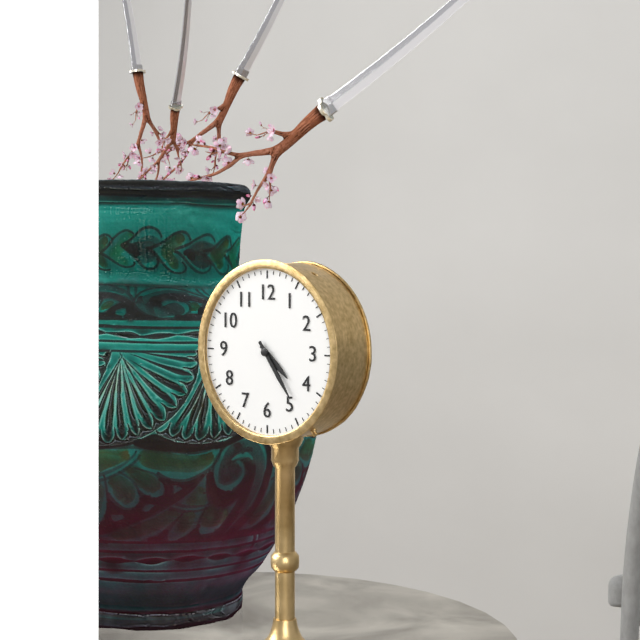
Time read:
4.24
